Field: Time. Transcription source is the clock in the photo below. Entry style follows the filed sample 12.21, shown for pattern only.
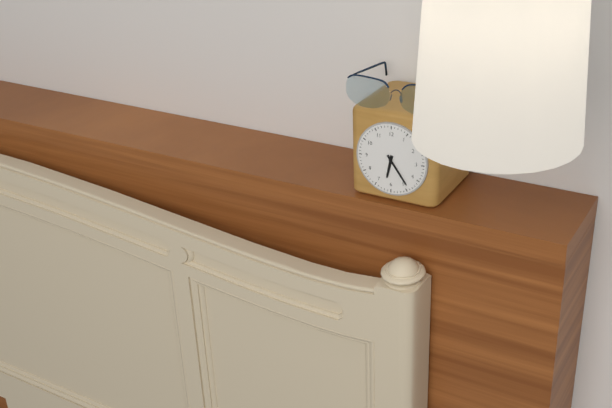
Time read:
6.24
